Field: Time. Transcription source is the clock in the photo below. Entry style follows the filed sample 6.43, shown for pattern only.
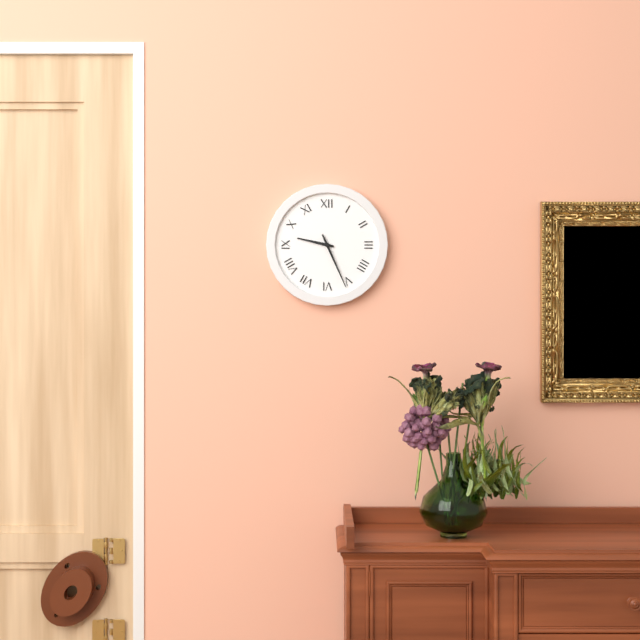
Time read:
9.26
